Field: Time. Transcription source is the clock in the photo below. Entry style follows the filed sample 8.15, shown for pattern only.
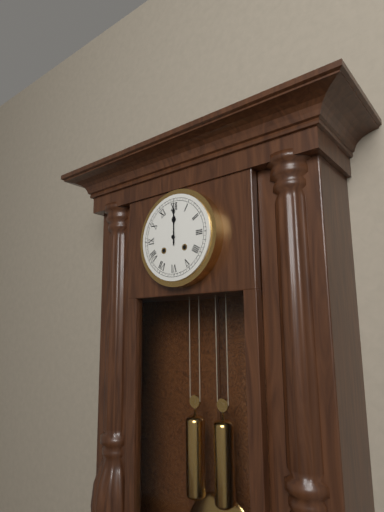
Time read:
12.00
